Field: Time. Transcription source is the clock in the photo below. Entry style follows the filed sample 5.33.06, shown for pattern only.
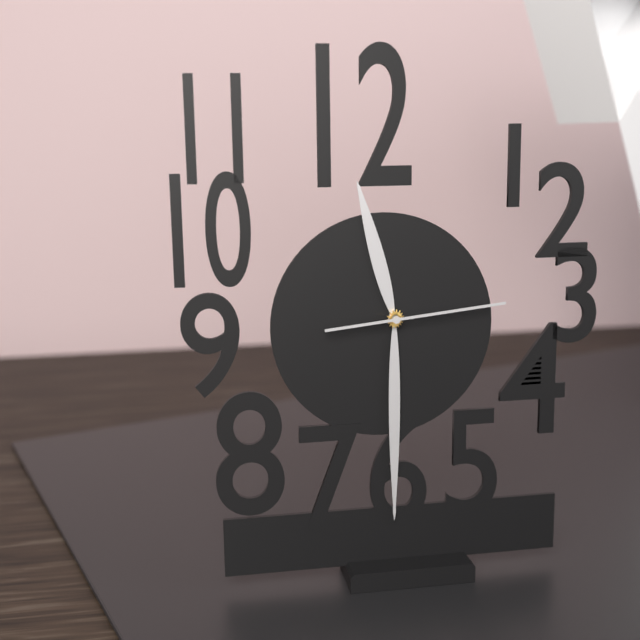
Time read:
11.30.14
